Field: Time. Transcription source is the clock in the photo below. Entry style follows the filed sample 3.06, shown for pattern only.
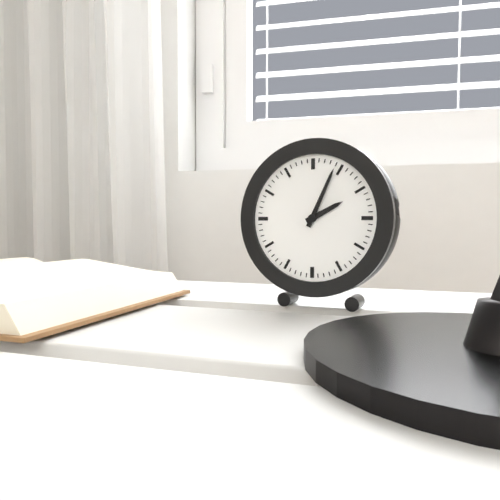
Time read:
2.04
